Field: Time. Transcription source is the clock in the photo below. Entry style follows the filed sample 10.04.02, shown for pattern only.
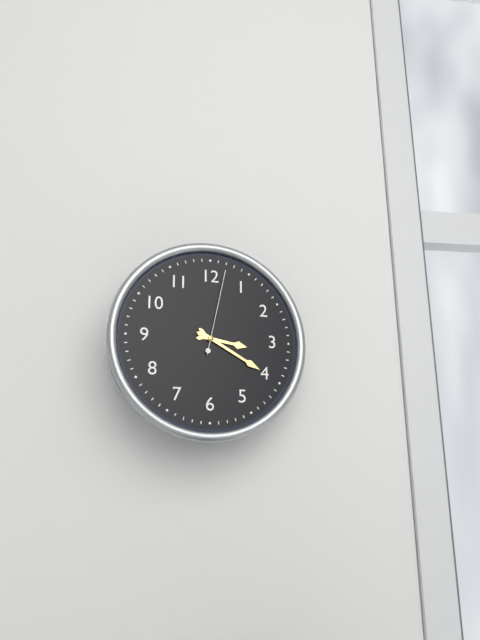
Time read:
3.20.02
